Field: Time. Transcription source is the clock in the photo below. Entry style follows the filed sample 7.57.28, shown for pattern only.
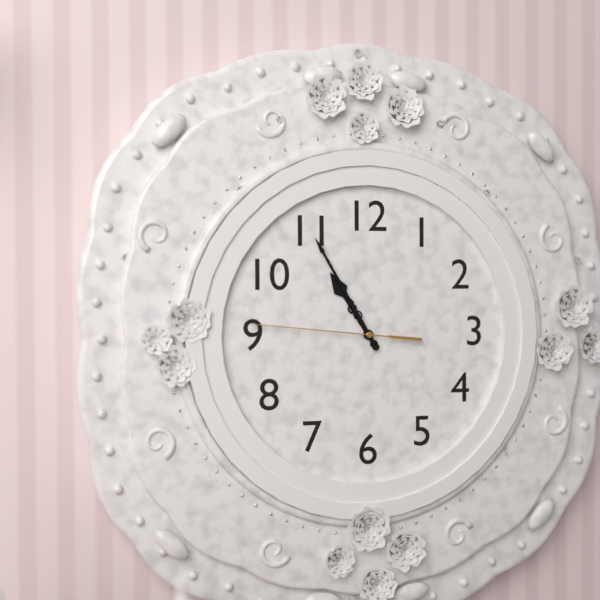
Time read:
10.55.46
